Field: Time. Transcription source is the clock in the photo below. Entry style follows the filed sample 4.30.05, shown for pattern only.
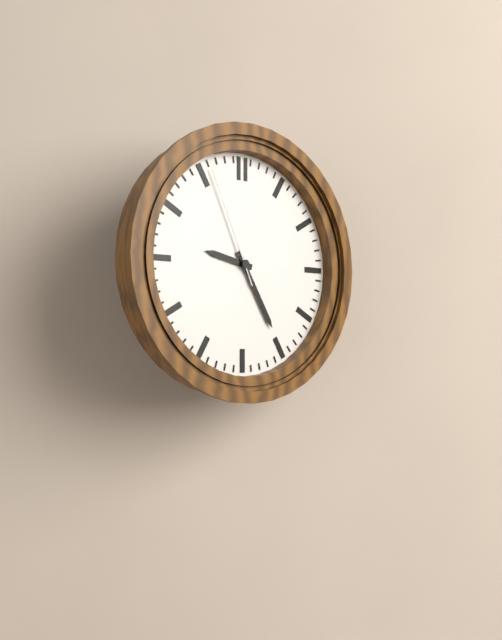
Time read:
9.25.56
